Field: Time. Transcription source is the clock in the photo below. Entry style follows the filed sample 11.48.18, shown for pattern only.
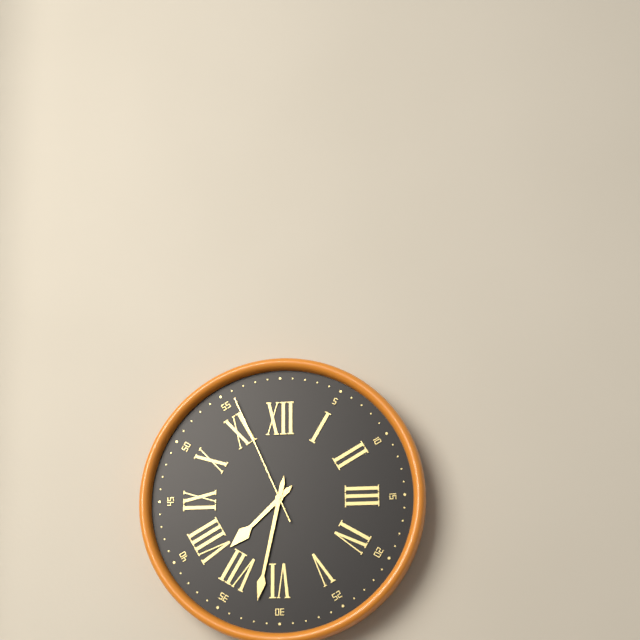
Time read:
7.32.56
